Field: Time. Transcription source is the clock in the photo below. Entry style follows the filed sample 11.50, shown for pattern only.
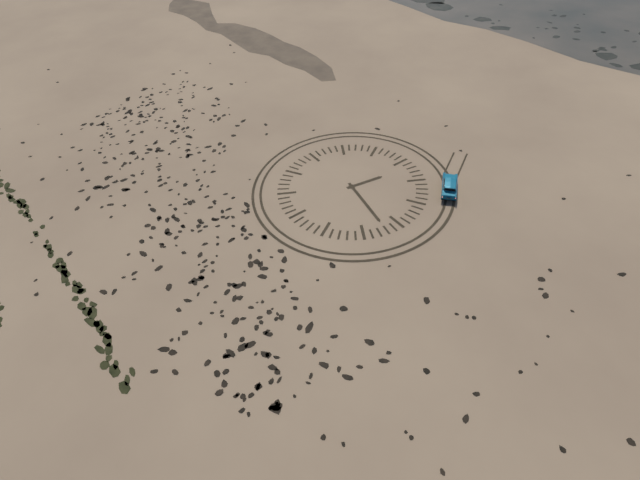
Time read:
1.22
